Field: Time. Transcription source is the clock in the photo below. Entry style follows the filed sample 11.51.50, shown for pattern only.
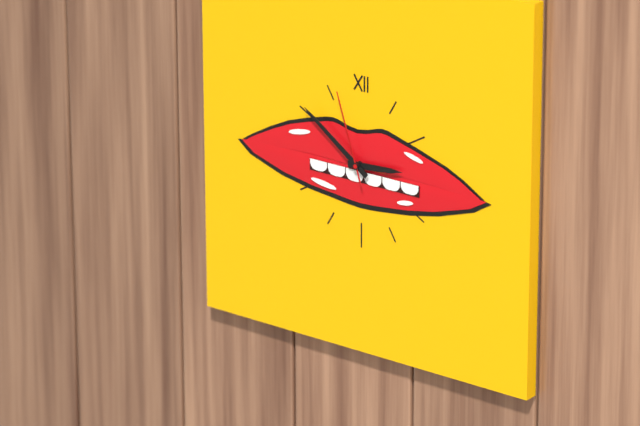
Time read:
2.51.57
